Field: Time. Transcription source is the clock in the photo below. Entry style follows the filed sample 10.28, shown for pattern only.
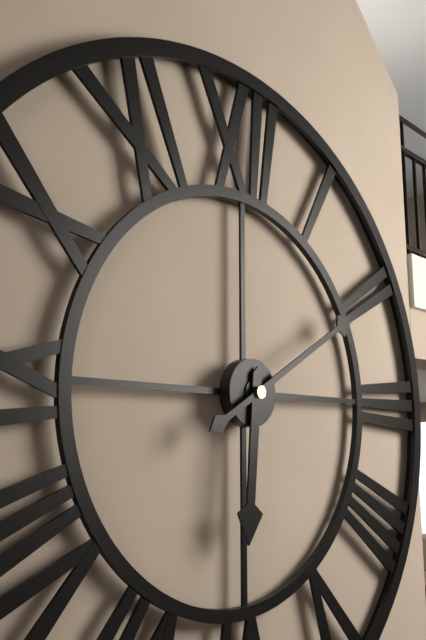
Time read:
6.10
